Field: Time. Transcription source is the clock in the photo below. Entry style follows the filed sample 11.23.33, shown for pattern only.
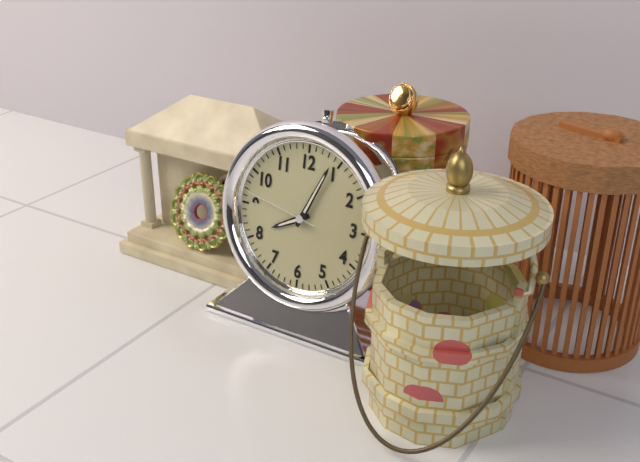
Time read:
8.04.47
